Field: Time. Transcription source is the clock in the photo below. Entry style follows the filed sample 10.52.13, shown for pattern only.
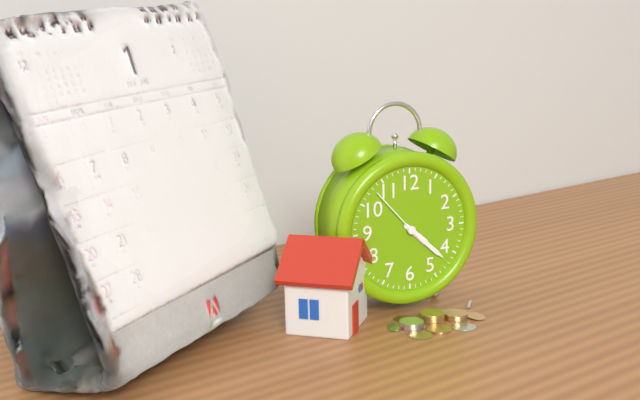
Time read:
4.22.53
